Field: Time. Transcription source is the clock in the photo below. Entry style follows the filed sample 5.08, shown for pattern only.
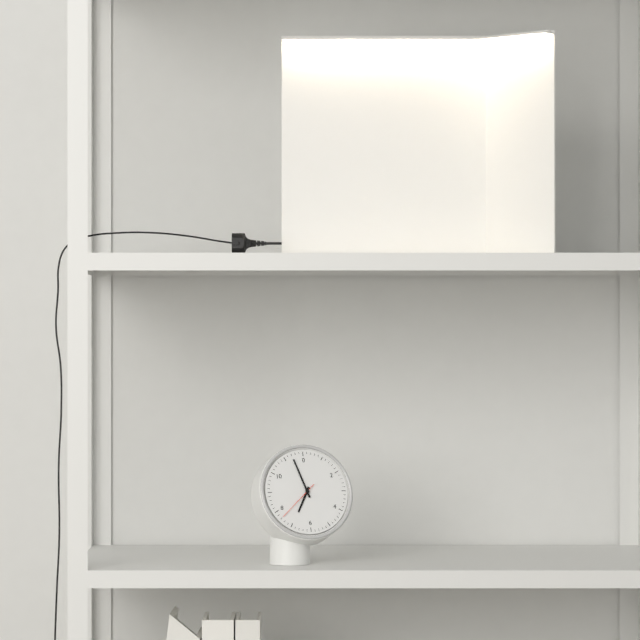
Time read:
6.57
